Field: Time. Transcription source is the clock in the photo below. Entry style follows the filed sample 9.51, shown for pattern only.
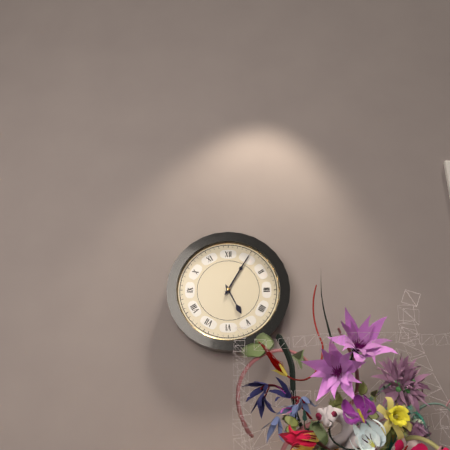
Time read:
5.05
